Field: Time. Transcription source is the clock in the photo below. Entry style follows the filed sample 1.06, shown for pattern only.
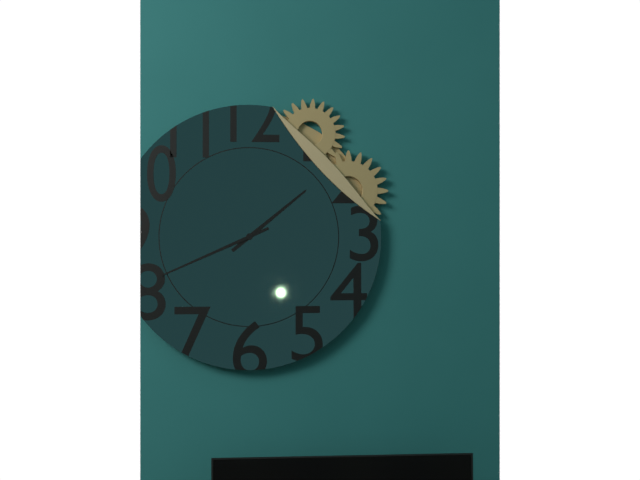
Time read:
1.41
